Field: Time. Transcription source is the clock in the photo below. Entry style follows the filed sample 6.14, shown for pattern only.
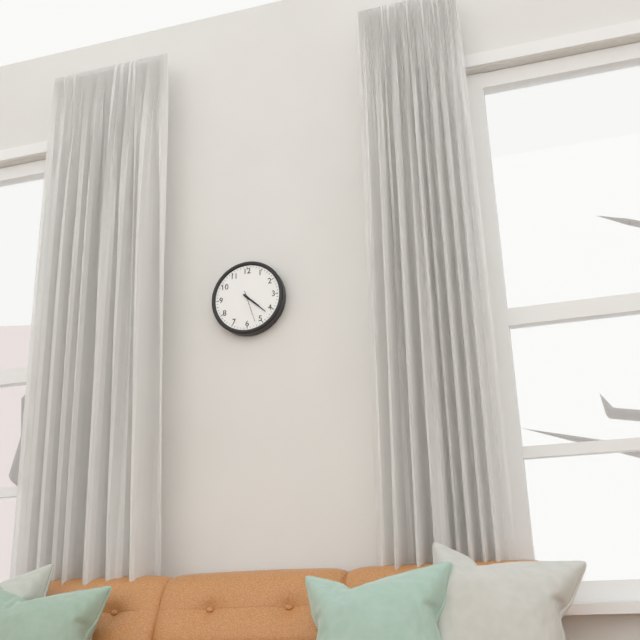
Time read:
4.22
